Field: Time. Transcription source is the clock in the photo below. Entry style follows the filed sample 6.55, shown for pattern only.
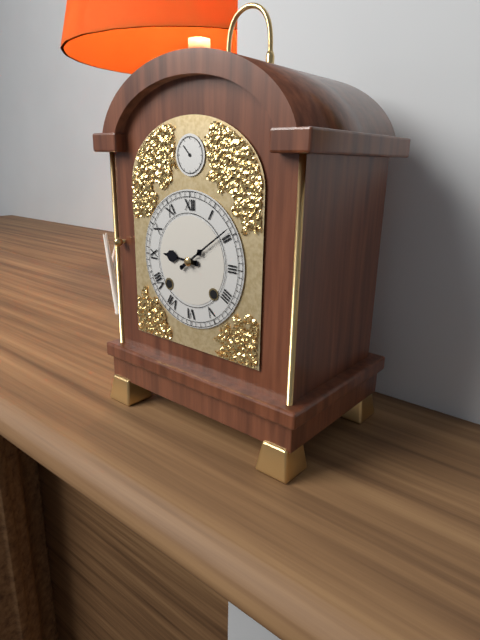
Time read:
9.09
